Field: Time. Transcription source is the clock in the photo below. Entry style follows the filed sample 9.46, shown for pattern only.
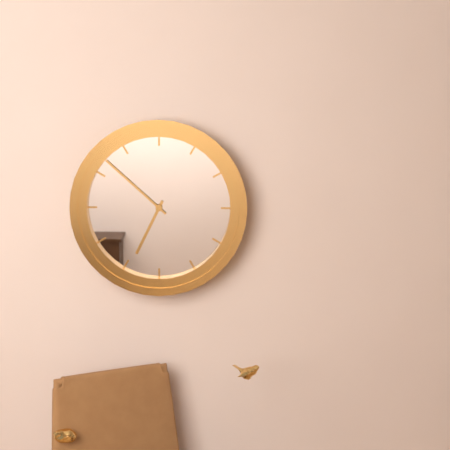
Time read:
6.52
